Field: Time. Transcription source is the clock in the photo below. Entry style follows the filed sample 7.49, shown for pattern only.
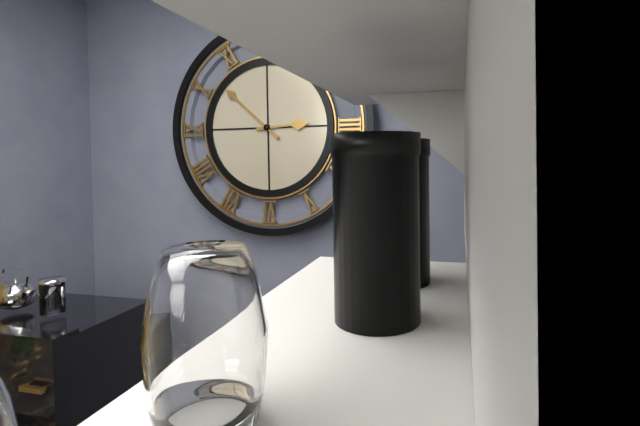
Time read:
2.52
